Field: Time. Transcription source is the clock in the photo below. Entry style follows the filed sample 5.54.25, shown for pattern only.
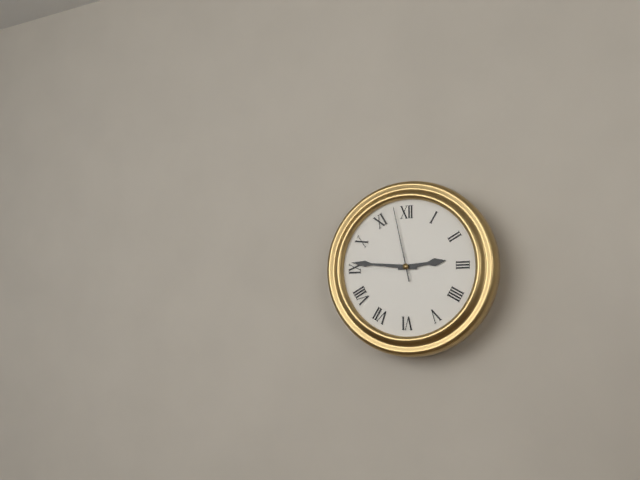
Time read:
2.46.58
